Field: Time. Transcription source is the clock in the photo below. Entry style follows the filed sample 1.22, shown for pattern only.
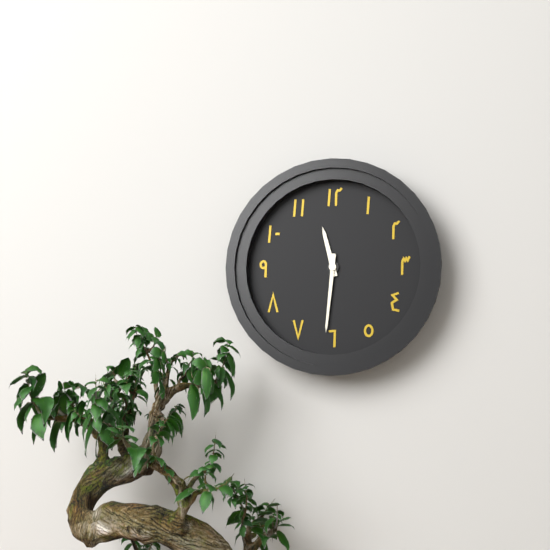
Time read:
11.31
